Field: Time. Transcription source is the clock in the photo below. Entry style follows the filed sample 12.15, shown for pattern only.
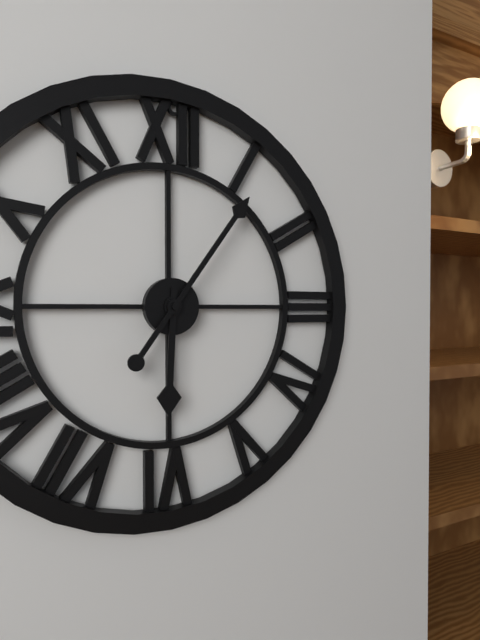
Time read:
6.06
